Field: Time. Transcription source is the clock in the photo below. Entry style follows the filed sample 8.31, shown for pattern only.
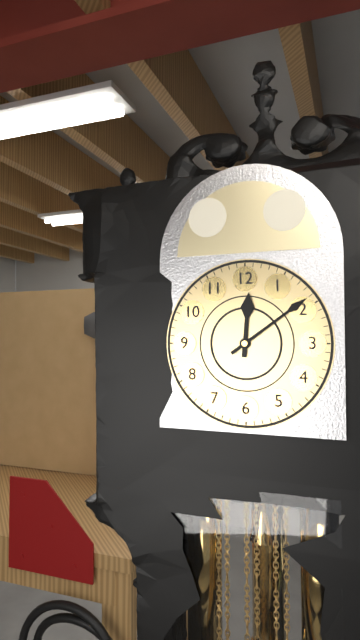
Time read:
12.09
